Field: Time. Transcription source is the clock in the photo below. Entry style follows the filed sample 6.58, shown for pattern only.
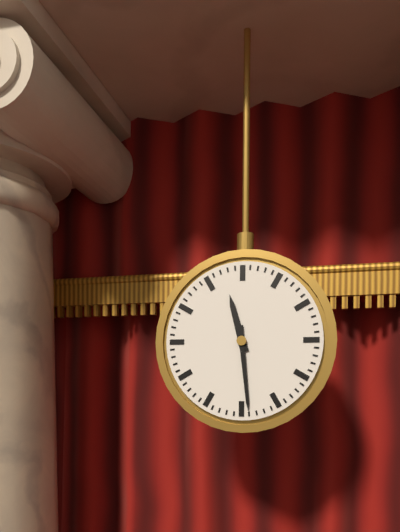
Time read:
11.29
